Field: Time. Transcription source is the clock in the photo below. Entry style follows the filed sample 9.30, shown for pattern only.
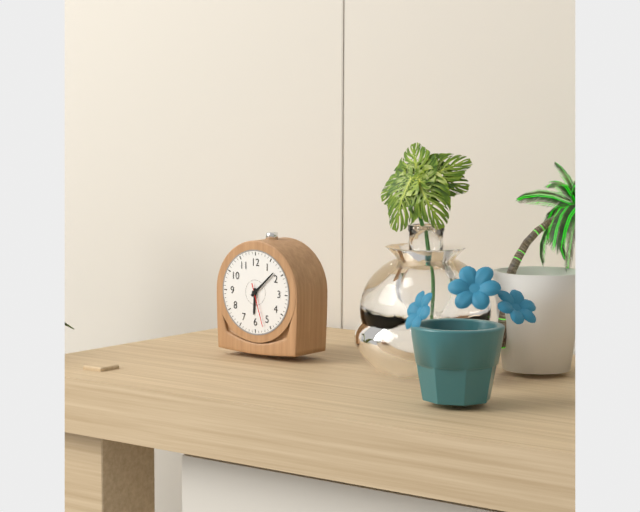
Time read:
6.08
